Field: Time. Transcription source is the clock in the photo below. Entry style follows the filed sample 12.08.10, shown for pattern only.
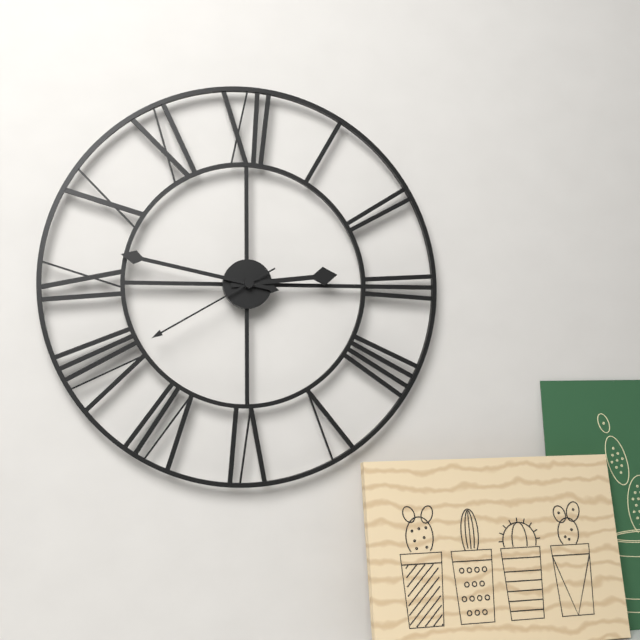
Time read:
2.47.40
